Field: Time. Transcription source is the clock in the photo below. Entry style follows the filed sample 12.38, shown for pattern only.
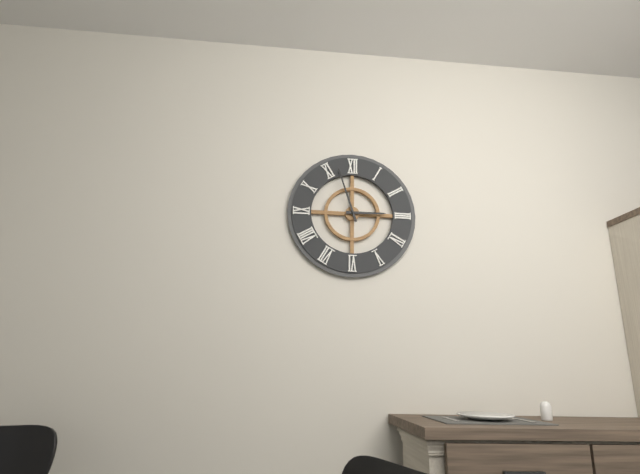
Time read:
2.57
